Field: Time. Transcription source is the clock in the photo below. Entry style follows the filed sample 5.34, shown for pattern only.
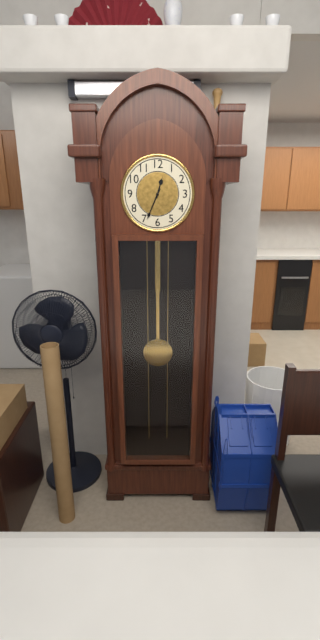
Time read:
12.34
